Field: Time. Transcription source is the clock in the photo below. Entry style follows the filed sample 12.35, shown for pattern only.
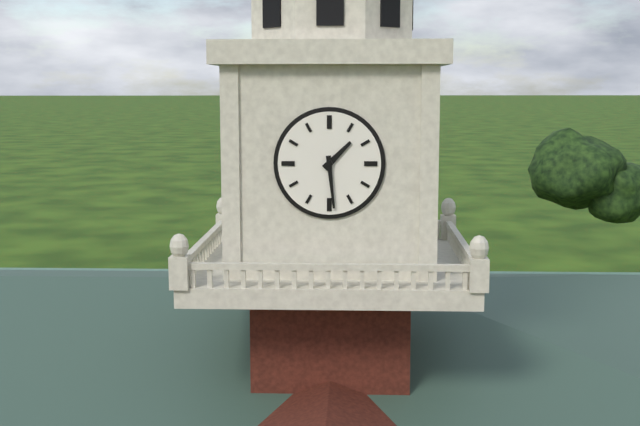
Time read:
1.29
